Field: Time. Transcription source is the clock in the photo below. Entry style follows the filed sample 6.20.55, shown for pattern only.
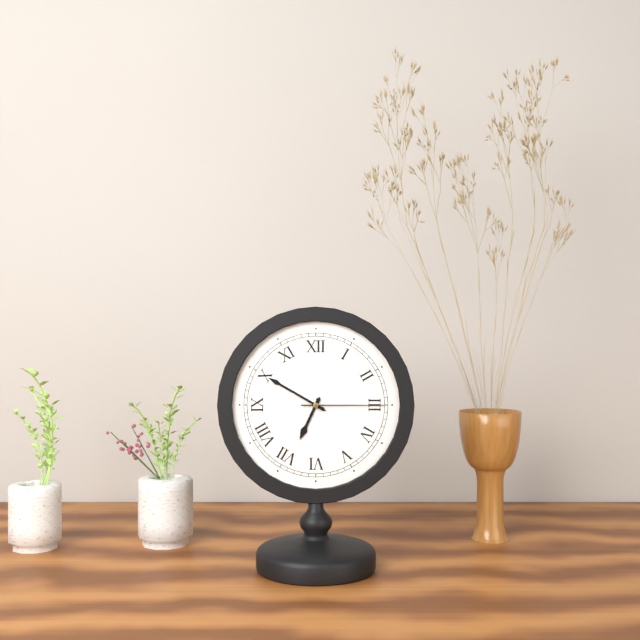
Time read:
6.50.15
